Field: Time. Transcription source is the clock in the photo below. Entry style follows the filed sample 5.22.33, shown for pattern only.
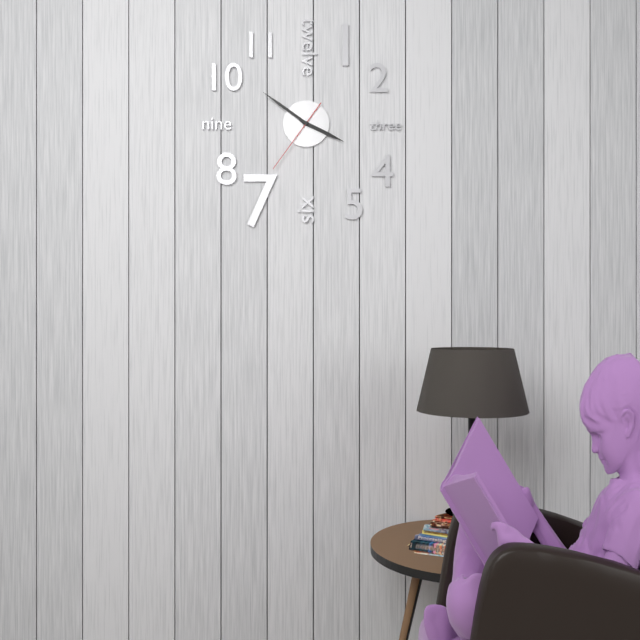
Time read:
3.51.36
